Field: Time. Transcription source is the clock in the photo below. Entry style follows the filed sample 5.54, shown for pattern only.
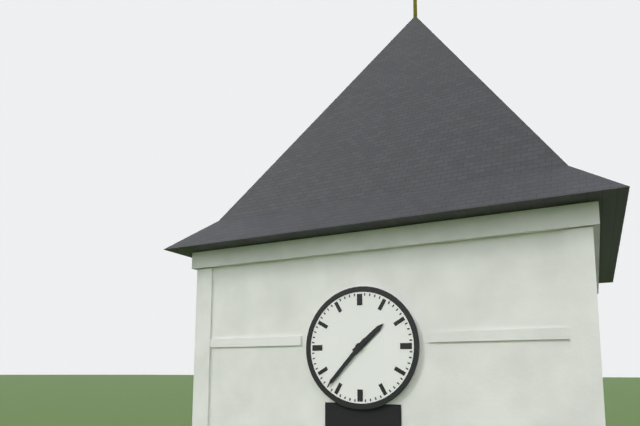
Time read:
1.37
